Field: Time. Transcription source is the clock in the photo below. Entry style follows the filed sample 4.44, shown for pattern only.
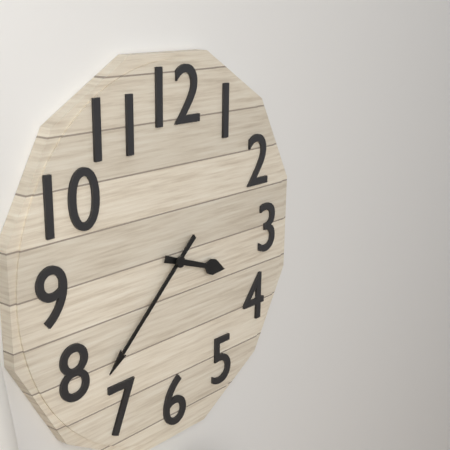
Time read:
3.38
